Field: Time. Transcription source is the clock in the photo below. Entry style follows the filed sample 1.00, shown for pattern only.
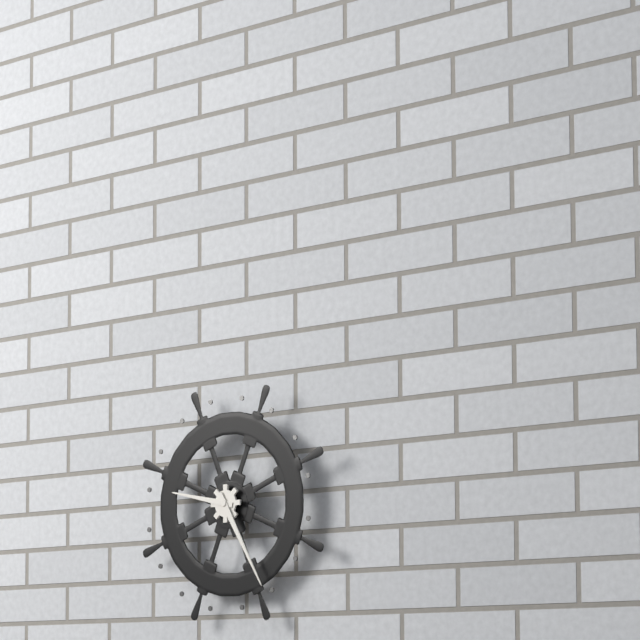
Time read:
9.25
